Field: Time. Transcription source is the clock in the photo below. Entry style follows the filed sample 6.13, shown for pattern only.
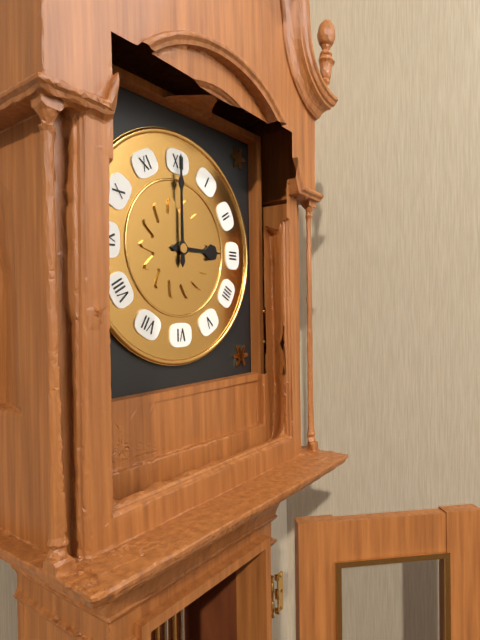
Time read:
3.00
